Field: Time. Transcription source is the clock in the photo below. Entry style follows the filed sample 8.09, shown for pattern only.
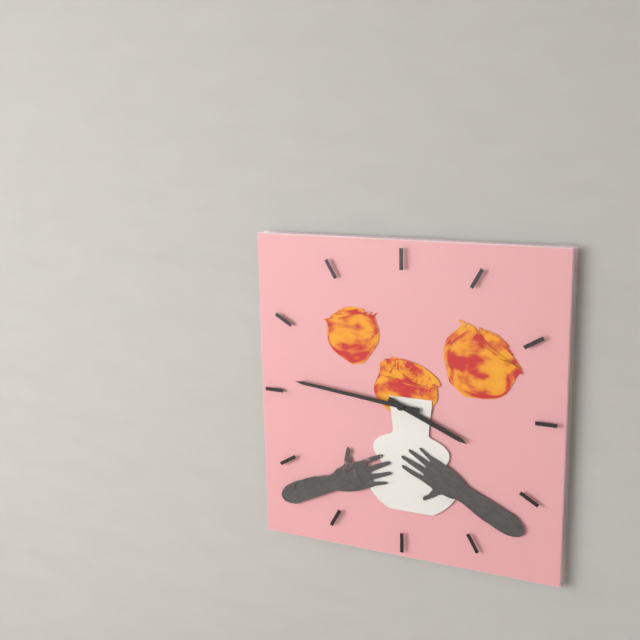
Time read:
3.46
